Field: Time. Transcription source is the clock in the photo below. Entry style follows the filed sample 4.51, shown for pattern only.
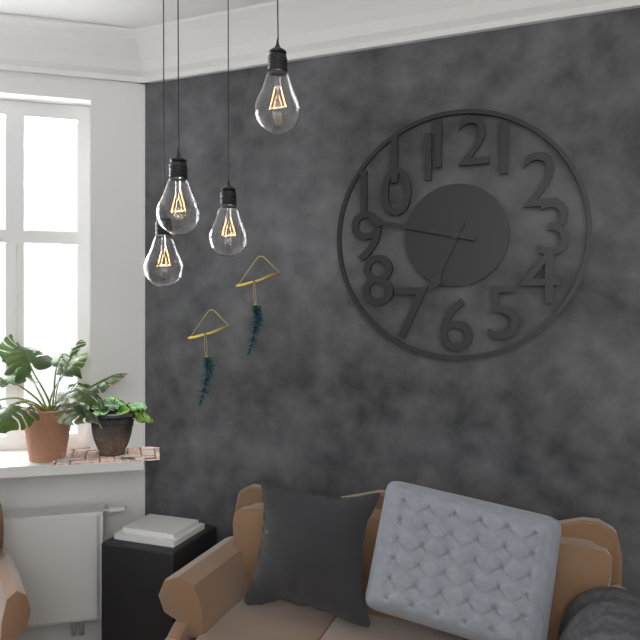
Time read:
6.47
